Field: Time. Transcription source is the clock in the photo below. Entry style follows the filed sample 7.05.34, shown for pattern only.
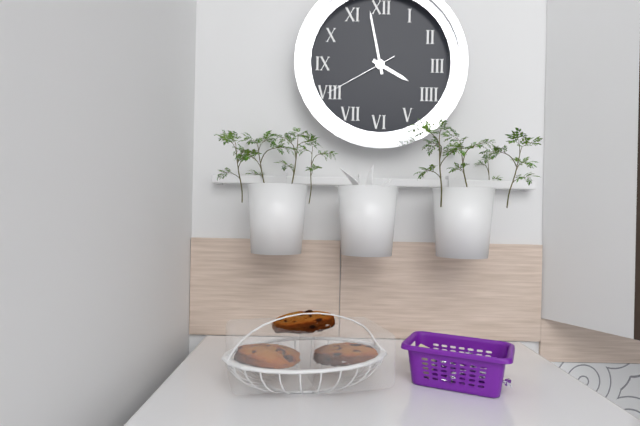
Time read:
3.58.40
